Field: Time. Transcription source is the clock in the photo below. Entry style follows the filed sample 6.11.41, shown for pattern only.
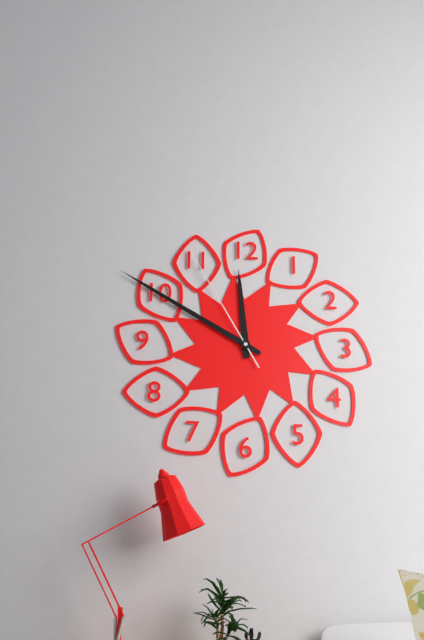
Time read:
11.50.55
